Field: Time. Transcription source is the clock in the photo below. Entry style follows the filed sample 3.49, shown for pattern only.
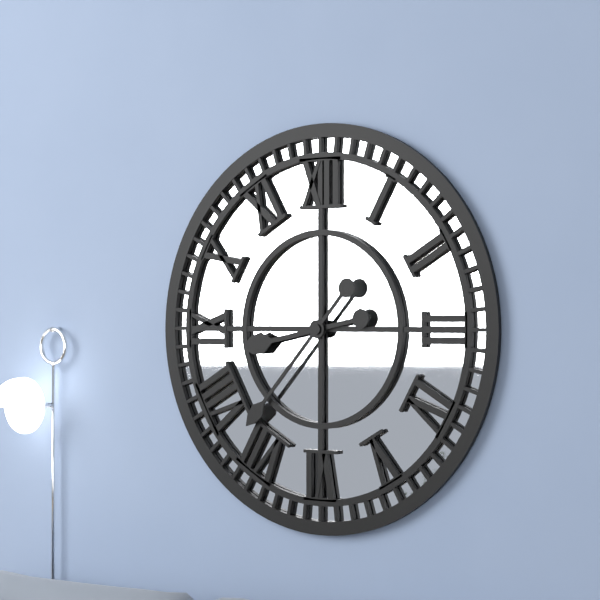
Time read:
8.37
